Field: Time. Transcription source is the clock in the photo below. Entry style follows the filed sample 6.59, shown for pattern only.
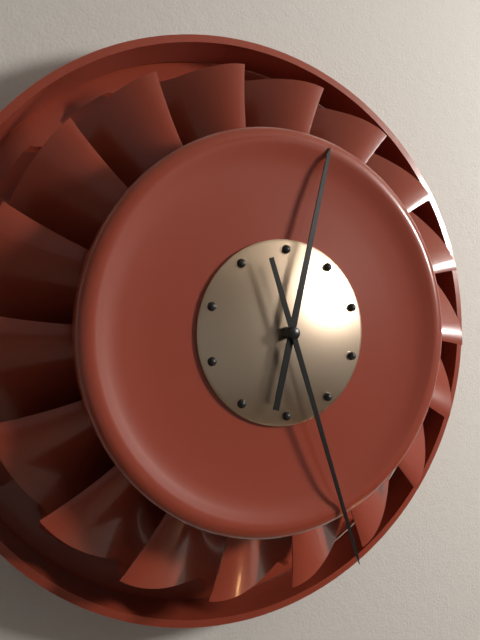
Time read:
12.27
